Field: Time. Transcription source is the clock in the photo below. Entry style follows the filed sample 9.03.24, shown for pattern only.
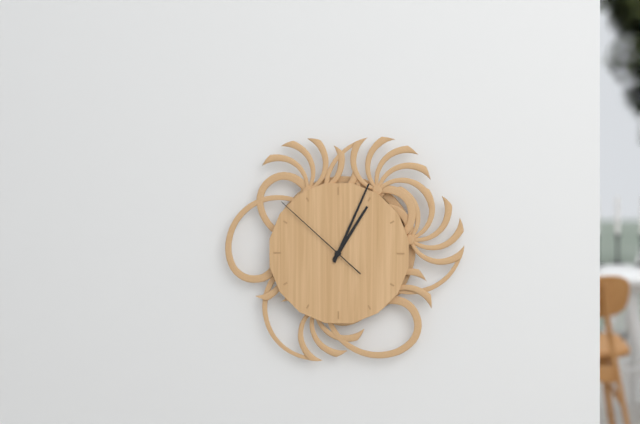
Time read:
1.04.52
